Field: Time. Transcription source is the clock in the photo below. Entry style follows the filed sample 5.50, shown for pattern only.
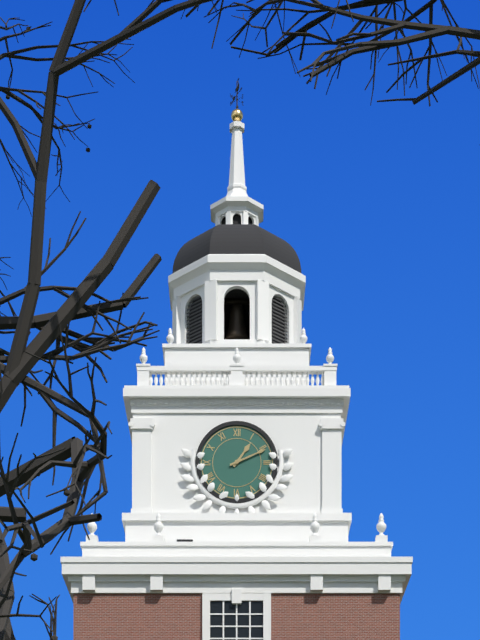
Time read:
1.11
